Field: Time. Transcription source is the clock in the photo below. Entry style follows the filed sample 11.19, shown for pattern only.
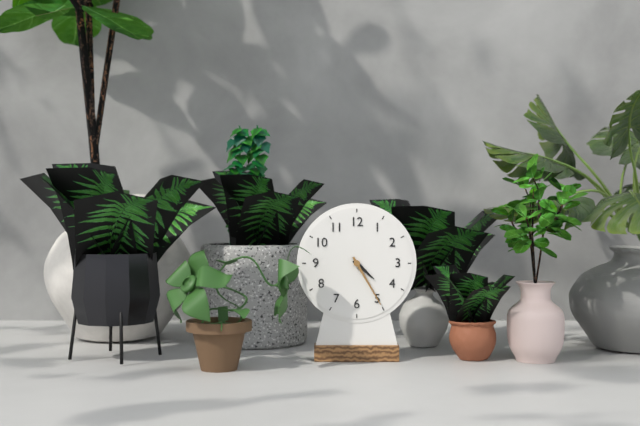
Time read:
4.25
